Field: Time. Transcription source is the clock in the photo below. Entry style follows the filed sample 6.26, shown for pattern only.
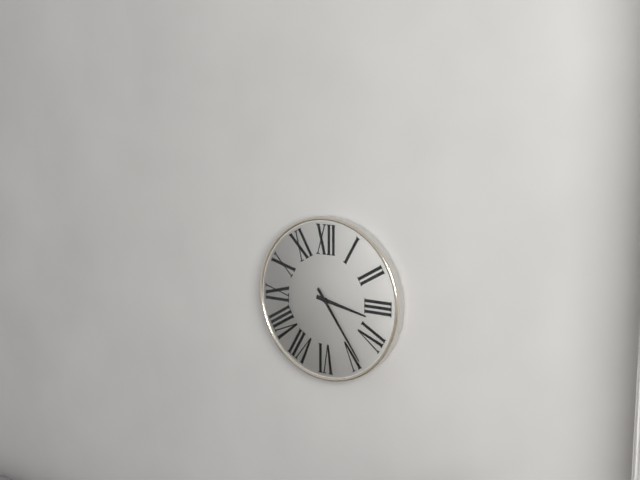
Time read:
3.24
